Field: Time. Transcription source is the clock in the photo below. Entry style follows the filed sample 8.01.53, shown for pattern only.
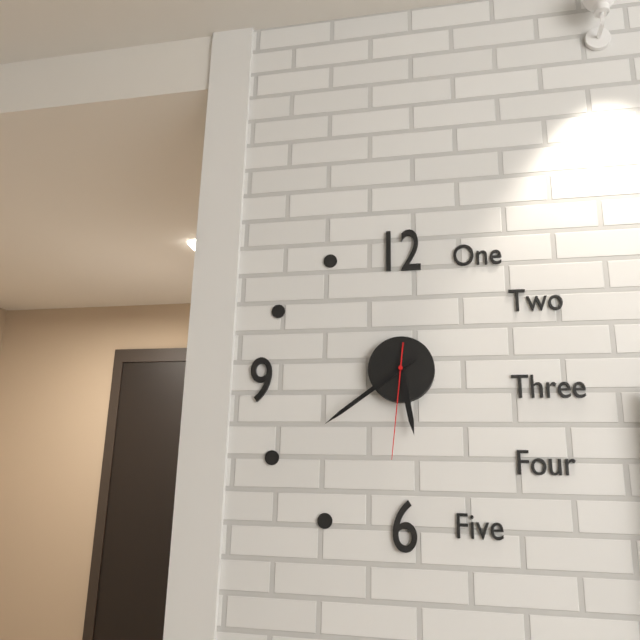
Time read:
5.39.31
